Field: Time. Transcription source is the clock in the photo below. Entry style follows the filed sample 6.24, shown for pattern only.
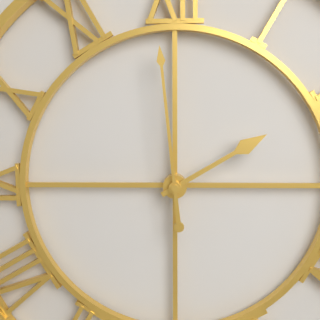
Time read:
1.59
